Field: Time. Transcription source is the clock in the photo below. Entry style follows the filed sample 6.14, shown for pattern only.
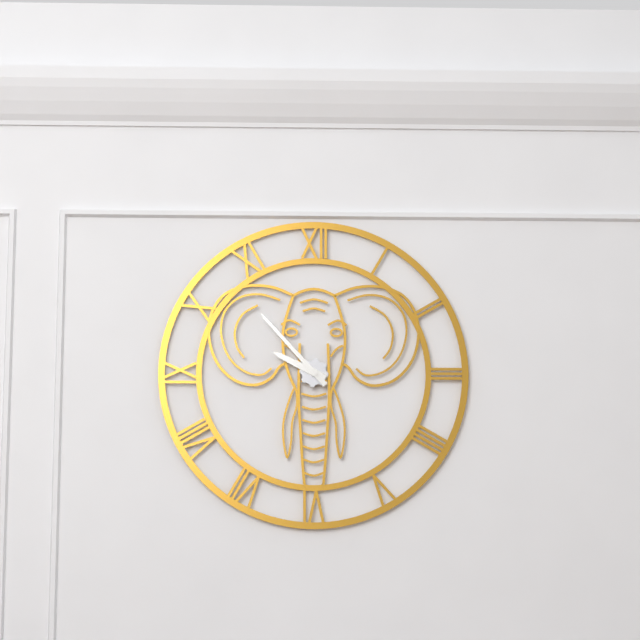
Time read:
9.53
